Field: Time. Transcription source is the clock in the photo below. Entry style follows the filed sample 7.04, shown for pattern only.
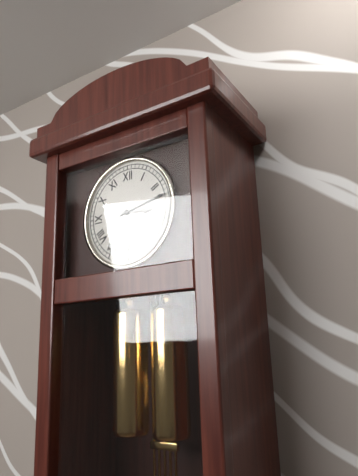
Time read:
3.13
